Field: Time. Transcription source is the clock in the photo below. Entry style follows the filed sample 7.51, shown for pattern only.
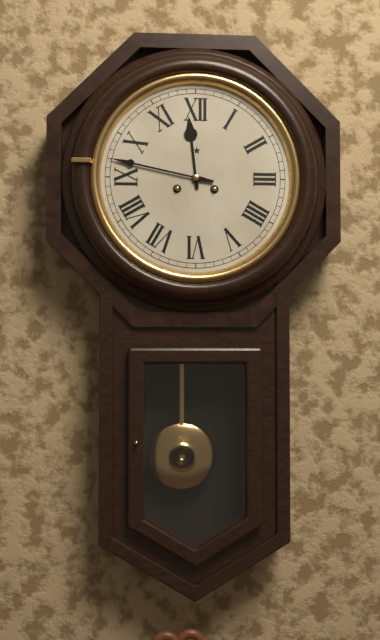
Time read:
11.47
